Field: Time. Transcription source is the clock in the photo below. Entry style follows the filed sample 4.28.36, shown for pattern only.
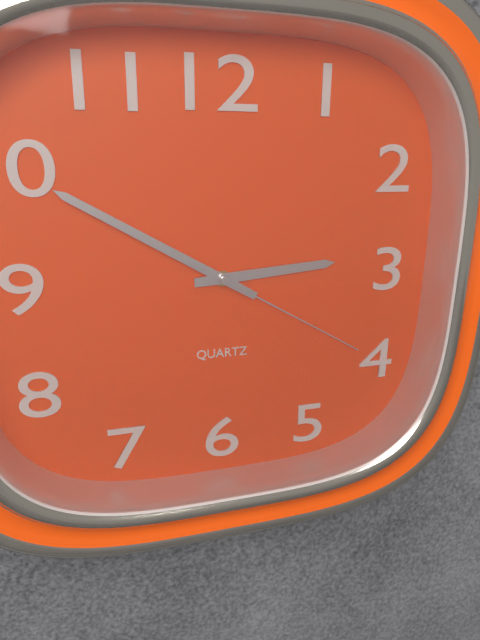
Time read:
2.50.20
